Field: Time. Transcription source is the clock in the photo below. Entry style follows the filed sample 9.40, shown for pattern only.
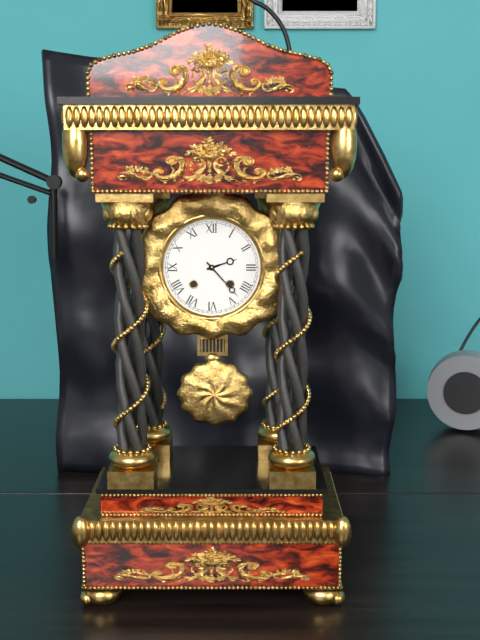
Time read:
2.23
